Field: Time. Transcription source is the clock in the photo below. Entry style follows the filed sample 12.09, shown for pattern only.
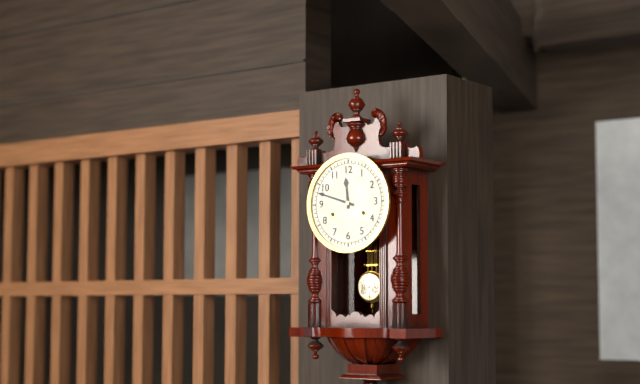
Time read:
11.48
